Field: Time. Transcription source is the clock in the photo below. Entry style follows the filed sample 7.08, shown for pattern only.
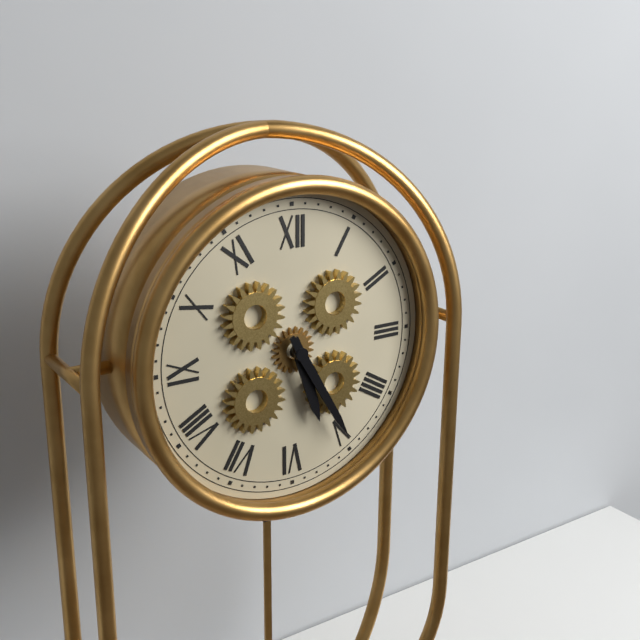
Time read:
5.25
